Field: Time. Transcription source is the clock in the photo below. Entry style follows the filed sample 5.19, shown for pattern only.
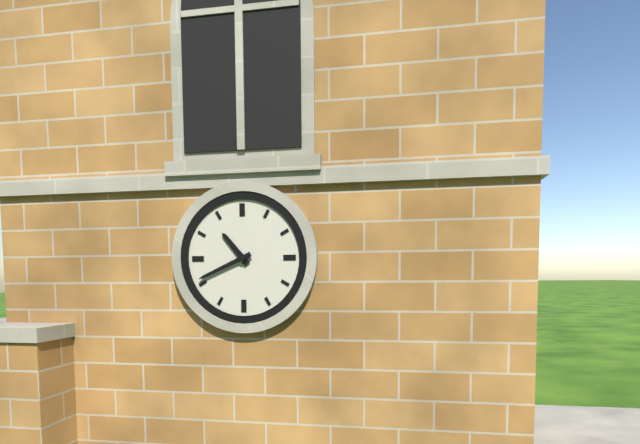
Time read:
10.41
